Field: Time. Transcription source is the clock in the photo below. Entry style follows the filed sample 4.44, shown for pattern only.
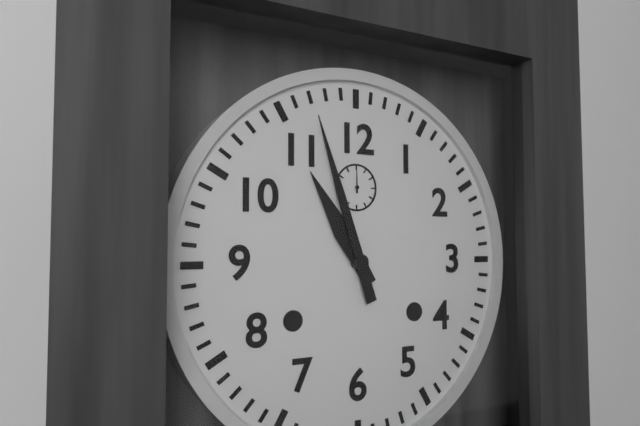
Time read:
10.57
